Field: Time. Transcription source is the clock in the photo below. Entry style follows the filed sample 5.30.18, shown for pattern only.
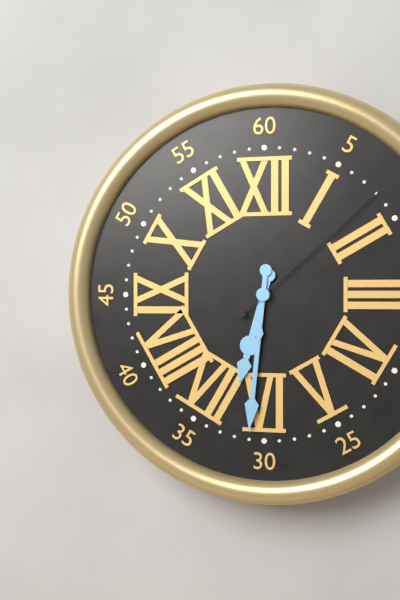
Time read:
6.31.08
